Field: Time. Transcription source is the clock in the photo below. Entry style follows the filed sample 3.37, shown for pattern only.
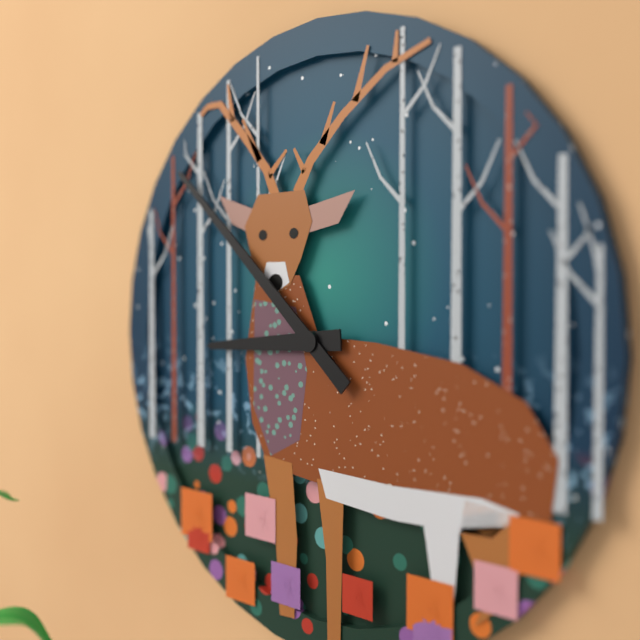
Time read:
8.52
